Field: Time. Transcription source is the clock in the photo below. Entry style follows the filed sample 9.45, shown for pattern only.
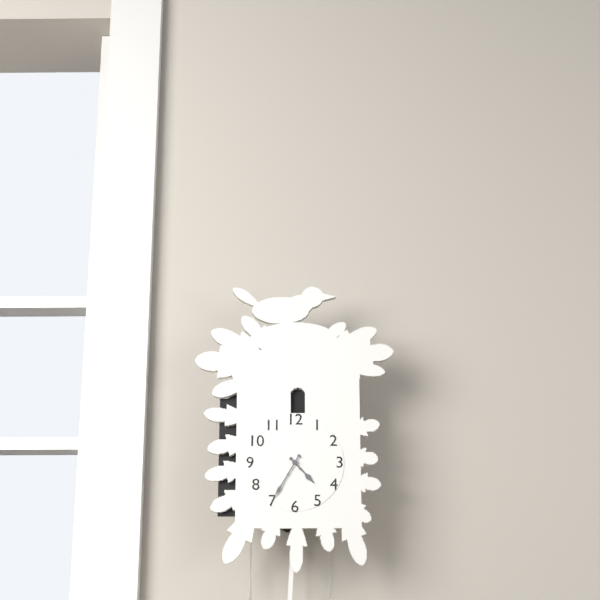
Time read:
4.35
